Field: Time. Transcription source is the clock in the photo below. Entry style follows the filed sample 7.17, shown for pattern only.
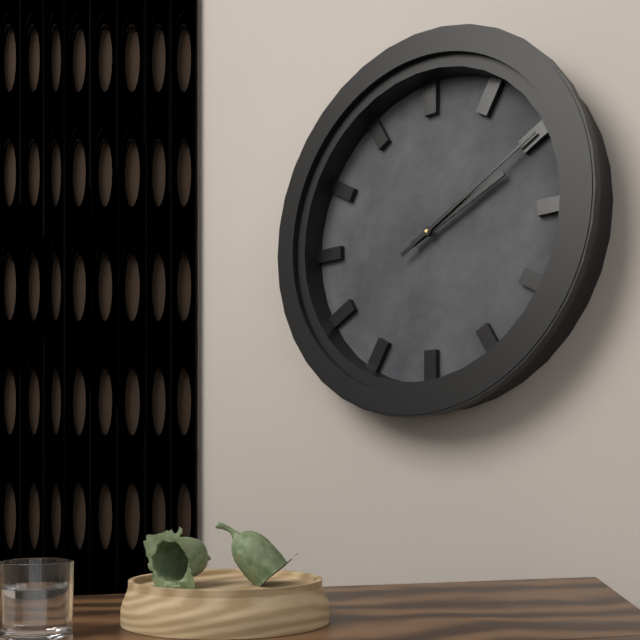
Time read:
2.10
